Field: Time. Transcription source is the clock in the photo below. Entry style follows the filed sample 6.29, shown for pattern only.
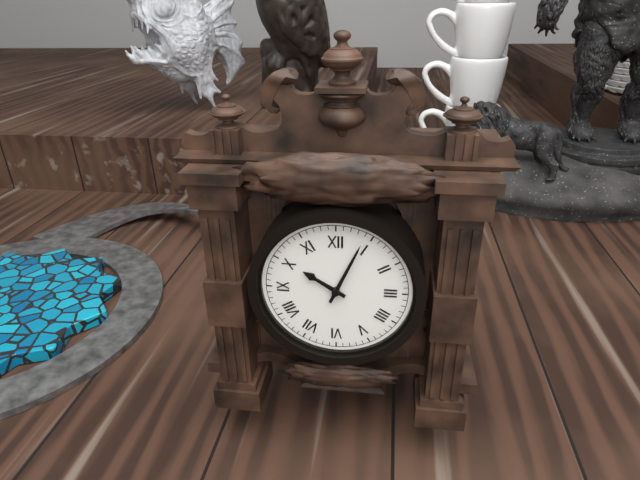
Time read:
10.04
